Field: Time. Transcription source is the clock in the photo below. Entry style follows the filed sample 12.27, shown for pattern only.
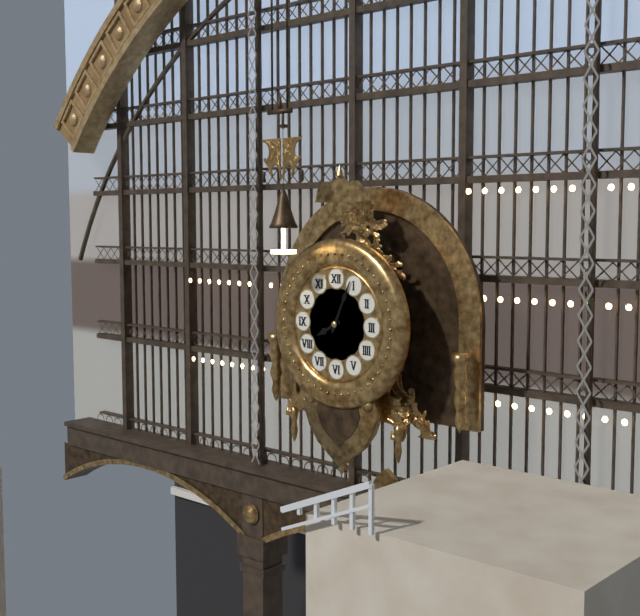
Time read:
8.04
